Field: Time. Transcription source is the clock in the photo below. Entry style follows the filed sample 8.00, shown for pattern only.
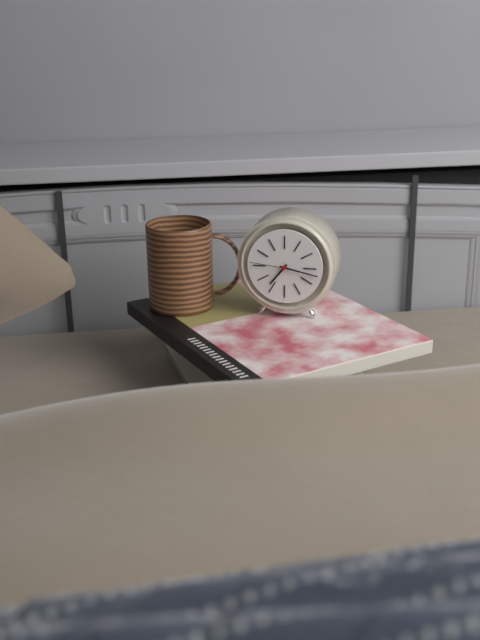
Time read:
7.17
